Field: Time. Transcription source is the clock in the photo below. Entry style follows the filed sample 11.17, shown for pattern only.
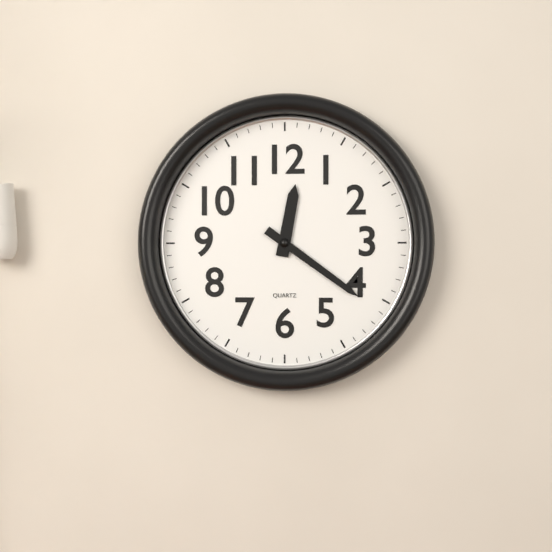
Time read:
12.21
